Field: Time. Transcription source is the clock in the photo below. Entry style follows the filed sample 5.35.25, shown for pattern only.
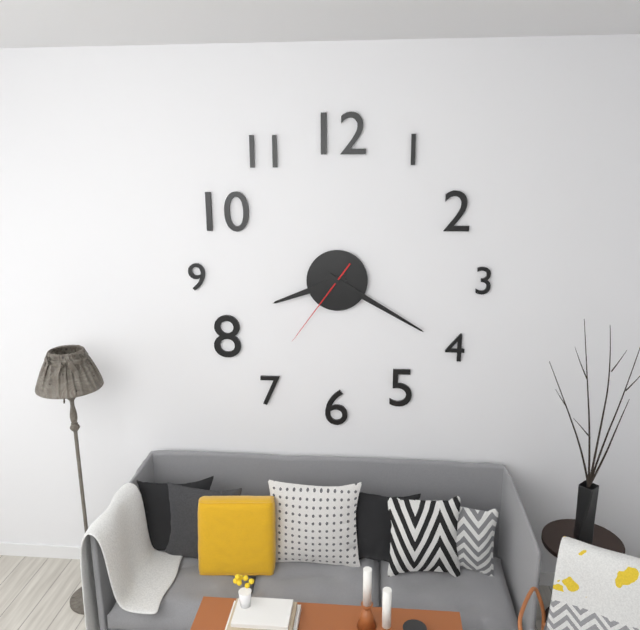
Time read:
8.20.36
